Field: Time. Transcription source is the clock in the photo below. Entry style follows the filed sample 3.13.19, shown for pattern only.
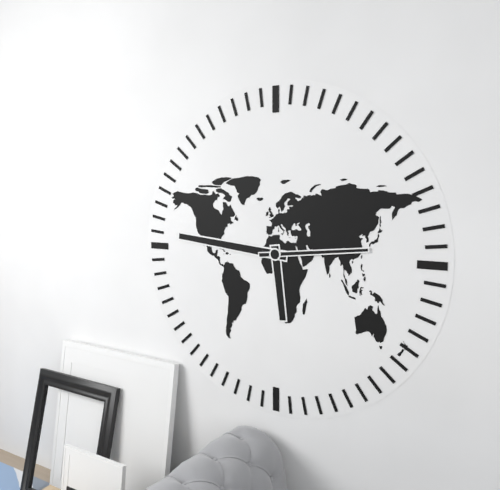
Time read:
5.46.14
